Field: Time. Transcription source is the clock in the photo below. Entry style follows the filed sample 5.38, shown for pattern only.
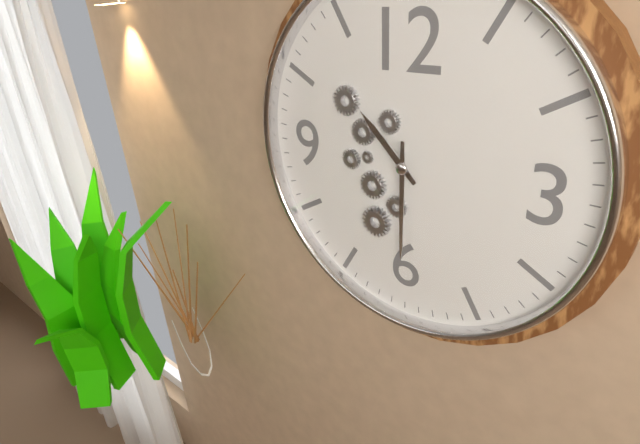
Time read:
10.30
